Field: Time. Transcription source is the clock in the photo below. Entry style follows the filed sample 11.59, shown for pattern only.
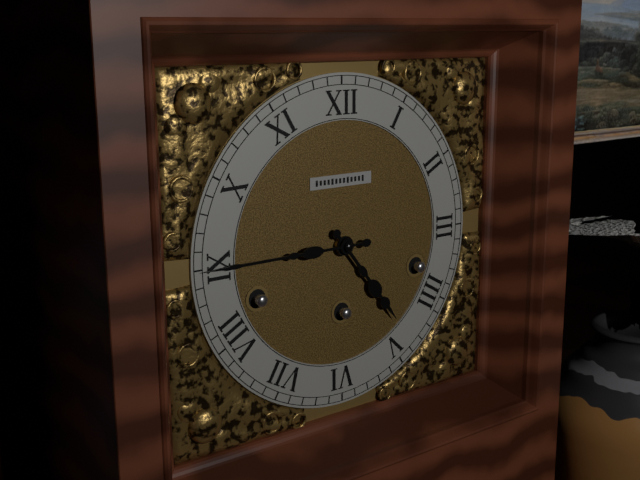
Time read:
4.45
